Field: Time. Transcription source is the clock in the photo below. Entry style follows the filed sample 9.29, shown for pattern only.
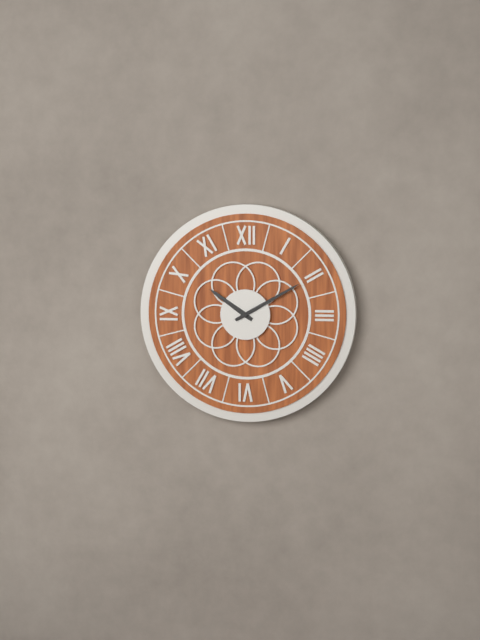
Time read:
10.10
